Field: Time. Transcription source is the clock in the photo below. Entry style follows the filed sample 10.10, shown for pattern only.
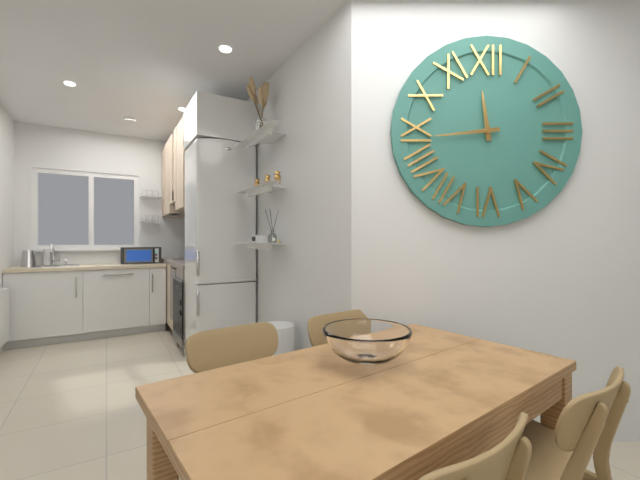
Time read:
11.44
